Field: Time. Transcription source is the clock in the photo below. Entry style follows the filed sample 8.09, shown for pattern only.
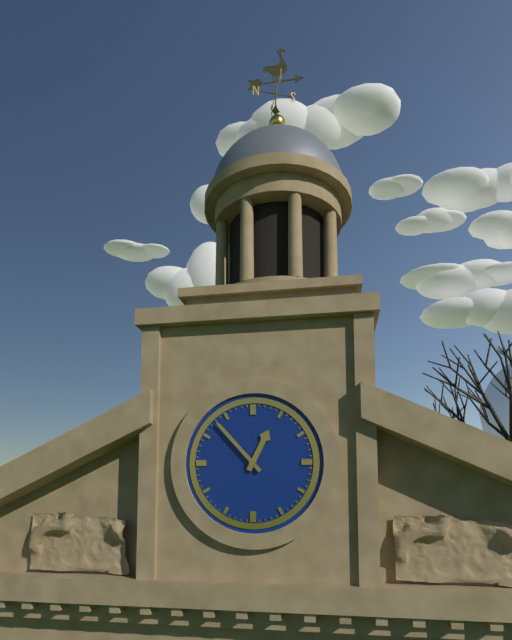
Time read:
12.53
